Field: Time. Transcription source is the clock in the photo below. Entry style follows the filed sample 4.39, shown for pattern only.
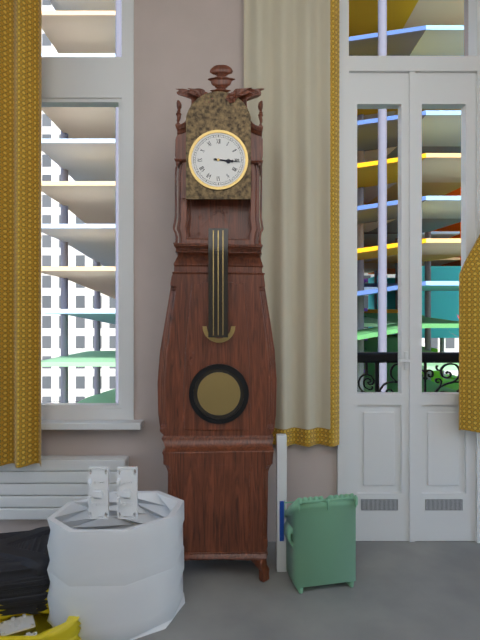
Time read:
3.16
